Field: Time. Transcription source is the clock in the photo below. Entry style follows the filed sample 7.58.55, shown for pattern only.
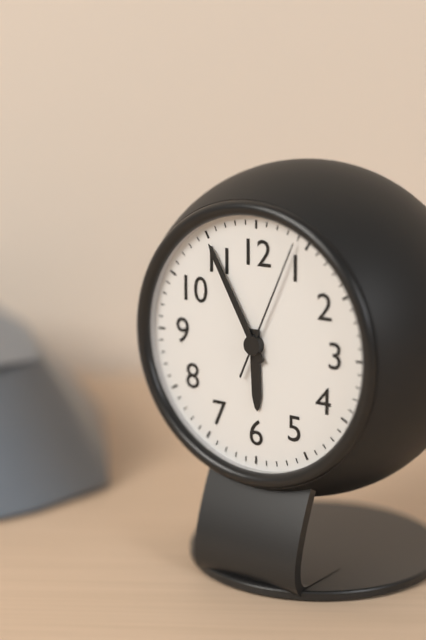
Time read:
5.55.04
